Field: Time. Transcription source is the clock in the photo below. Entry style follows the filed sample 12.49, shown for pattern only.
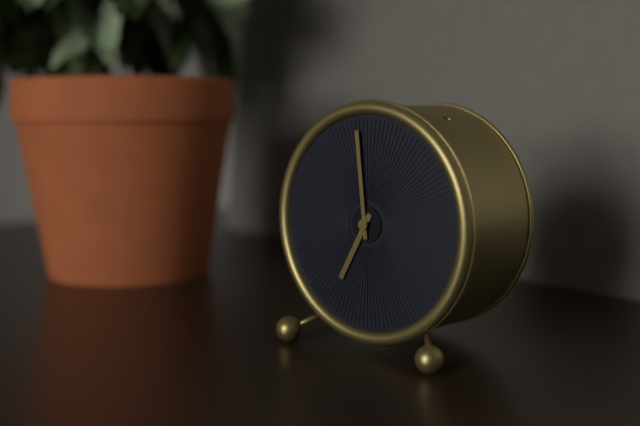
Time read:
6.59
